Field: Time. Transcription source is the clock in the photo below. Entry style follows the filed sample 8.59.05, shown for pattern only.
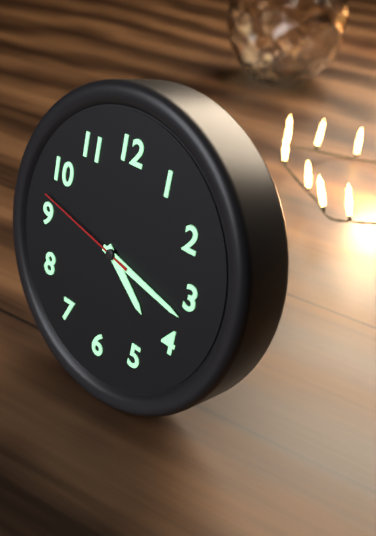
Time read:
4.17.47
